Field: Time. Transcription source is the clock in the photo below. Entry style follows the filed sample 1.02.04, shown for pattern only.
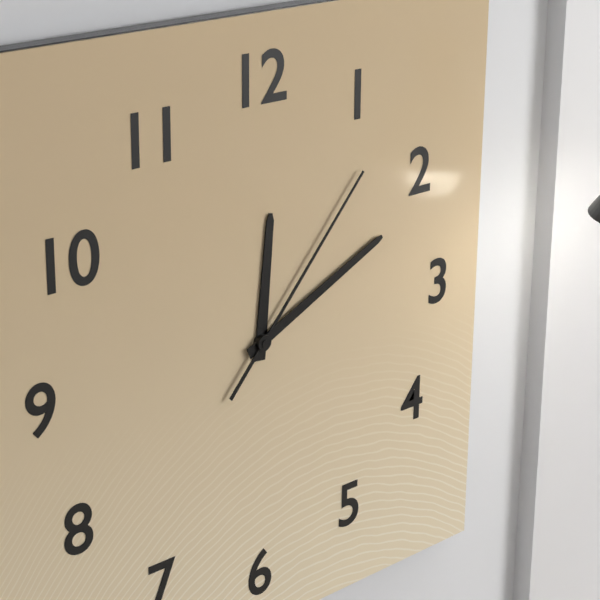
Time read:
12.11.07
